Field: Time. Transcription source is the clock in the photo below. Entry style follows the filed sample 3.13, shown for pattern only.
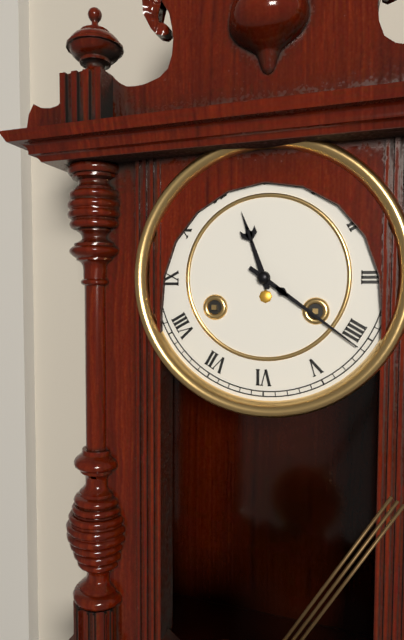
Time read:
11.21
